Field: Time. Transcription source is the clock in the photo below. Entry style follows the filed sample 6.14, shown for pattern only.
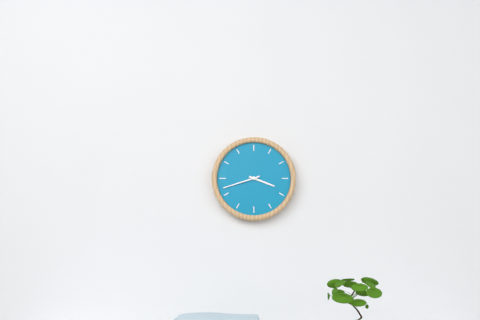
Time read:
3.42
